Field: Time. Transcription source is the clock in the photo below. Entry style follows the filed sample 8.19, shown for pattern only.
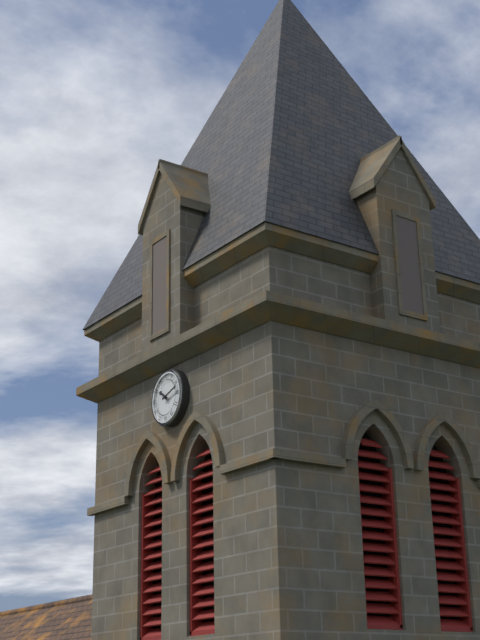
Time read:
10.12
